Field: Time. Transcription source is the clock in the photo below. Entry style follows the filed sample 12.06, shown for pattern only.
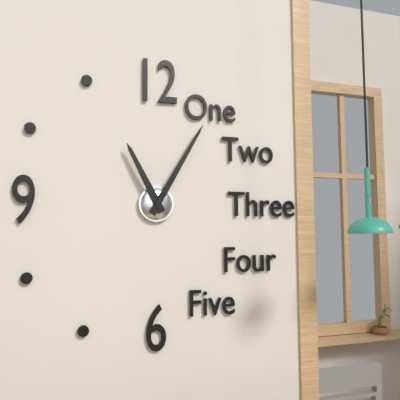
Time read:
11.05
